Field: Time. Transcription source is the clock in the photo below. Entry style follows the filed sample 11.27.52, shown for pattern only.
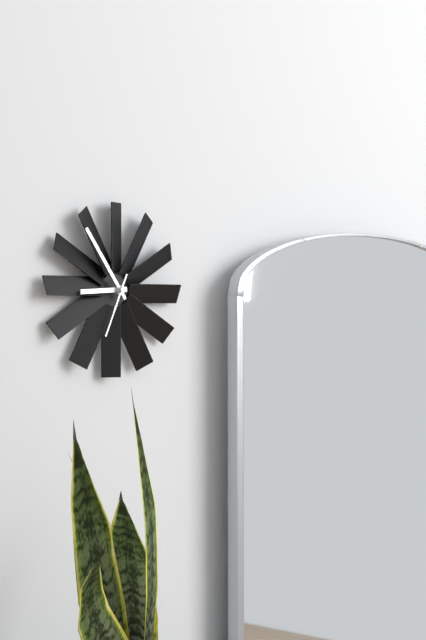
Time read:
8.54.34
